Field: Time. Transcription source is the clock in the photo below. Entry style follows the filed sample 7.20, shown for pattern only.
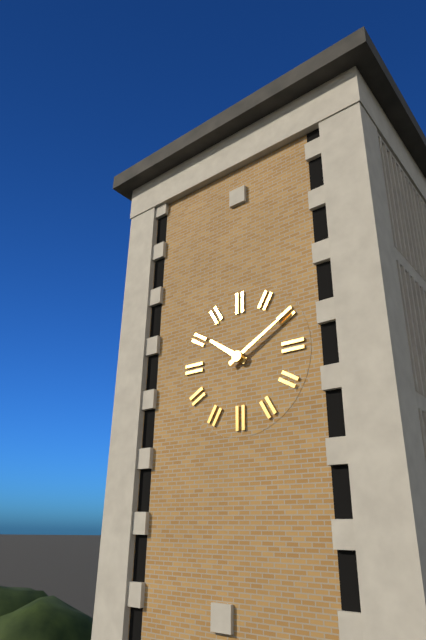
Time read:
10.10
